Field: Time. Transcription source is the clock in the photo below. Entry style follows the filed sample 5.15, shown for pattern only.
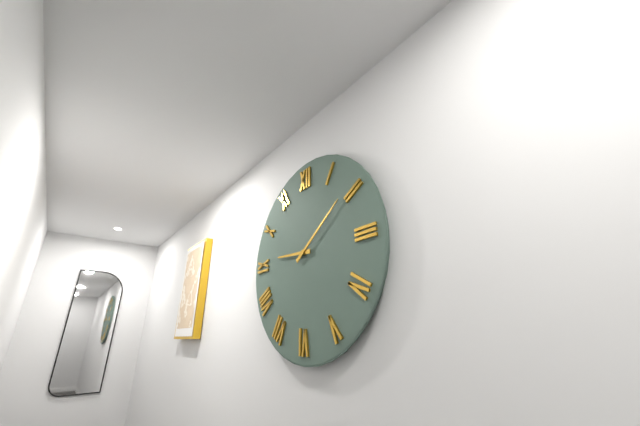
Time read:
9.09
